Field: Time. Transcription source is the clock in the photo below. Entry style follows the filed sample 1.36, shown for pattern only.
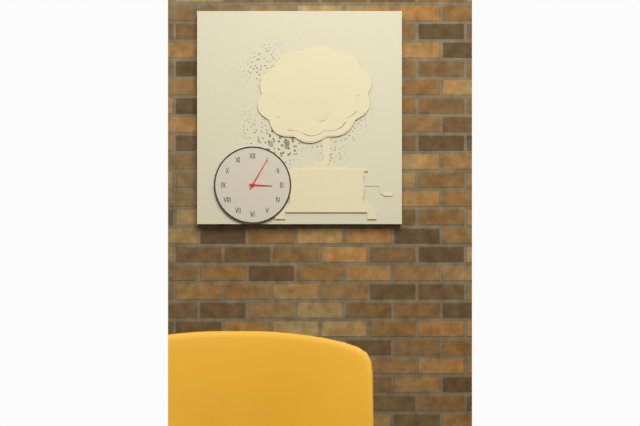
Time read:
3.05
